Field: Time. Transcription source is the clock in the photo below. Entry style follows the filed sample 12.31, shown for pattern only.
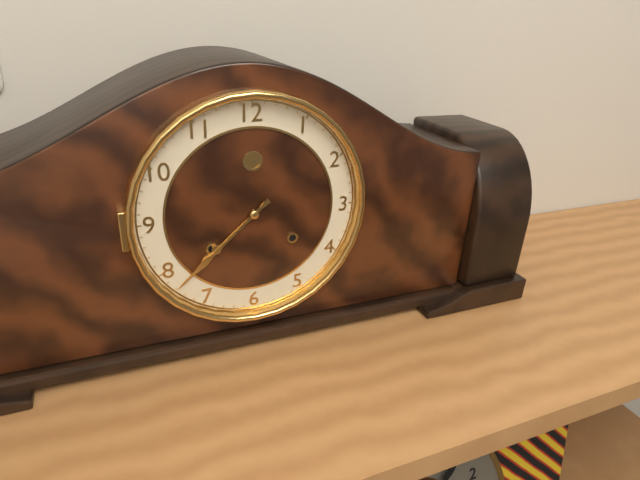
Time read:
7.38
